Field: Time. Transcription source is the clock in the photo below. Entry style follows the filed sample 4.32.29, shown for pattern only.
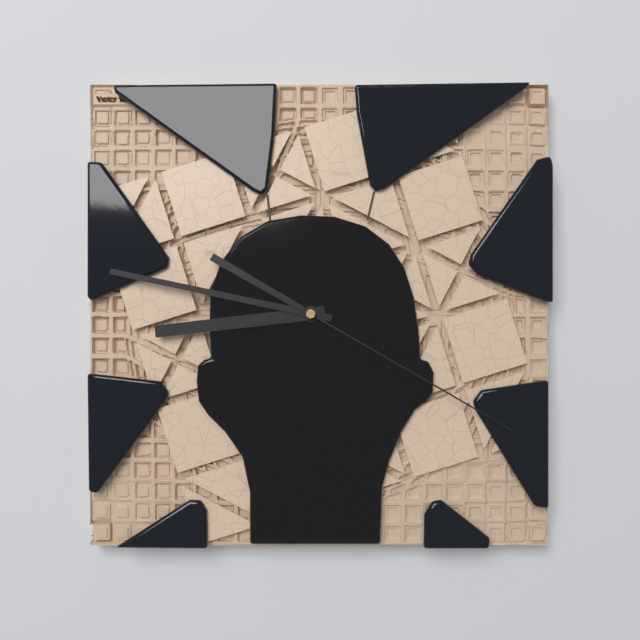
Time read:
8.47.20
